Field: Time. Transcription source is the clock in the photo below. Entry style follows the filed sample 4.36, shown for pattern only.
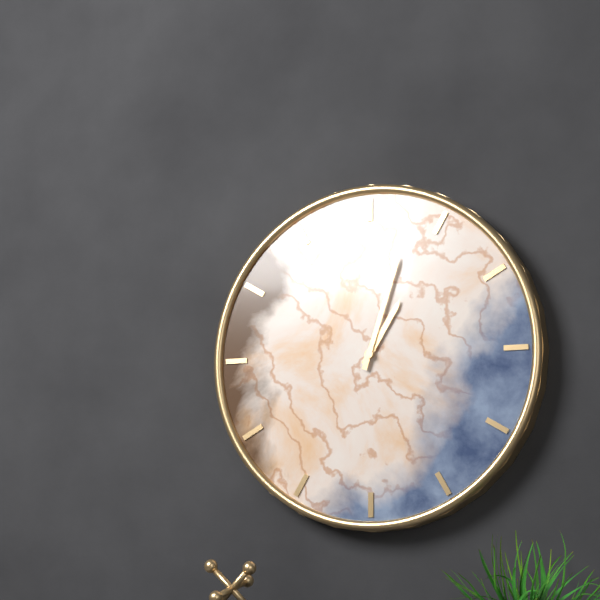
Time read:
1.03
